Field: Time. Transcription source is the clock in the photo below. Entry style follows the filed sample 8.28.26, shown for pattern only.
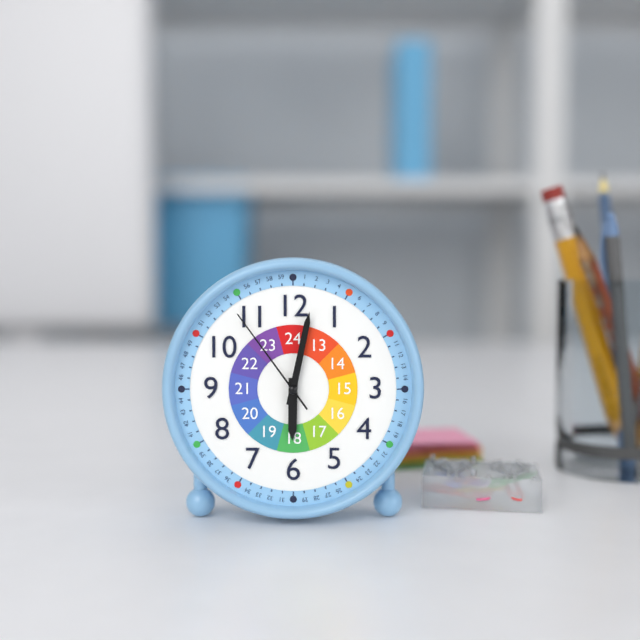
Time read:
6.02.54
